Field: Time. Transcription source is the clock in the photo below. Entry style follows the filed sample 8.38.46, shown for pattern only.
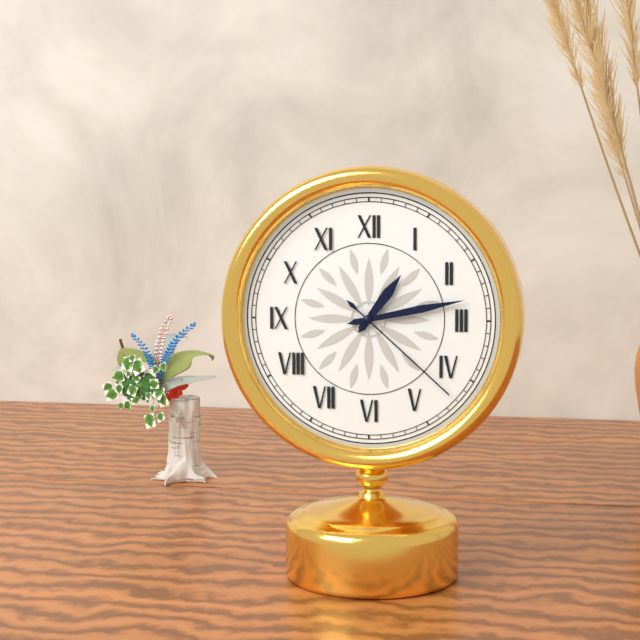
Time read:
1.13.22
